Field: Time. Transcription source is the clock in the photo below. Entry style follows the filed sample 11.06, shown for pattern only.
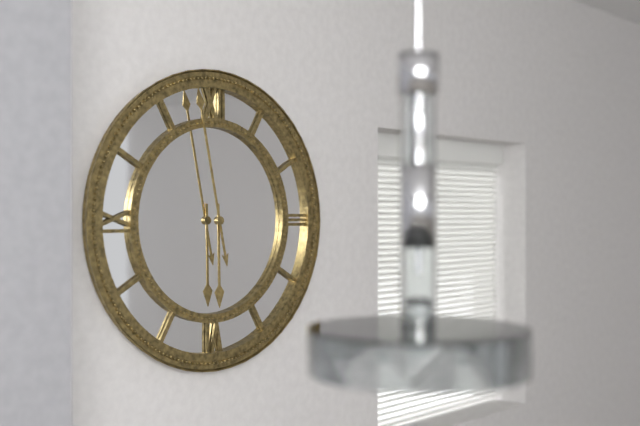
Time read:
5.58
